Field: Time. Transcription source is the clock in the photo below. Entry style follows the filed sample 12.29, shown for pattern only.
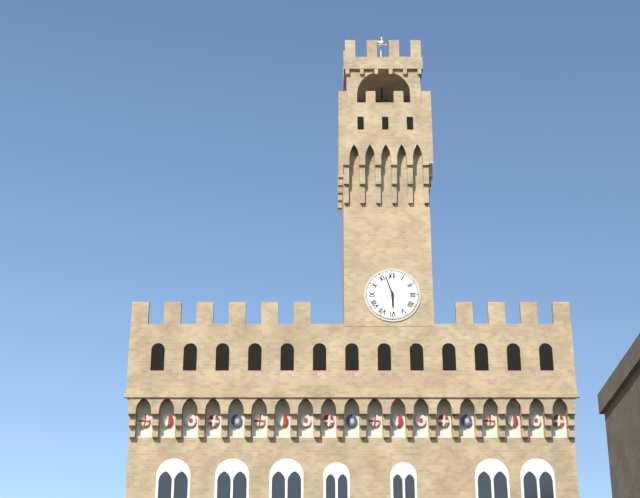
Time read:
5.57
